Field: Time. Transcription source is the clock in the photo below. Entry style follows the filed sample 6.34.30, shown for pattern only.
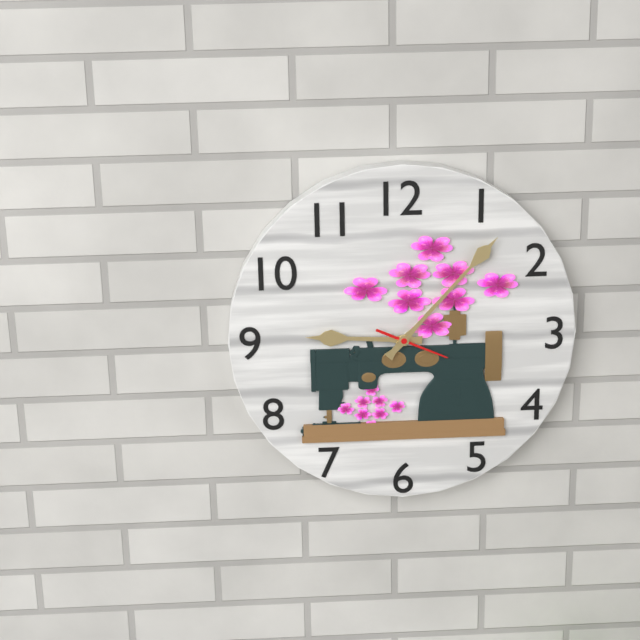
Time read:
9.07.19
